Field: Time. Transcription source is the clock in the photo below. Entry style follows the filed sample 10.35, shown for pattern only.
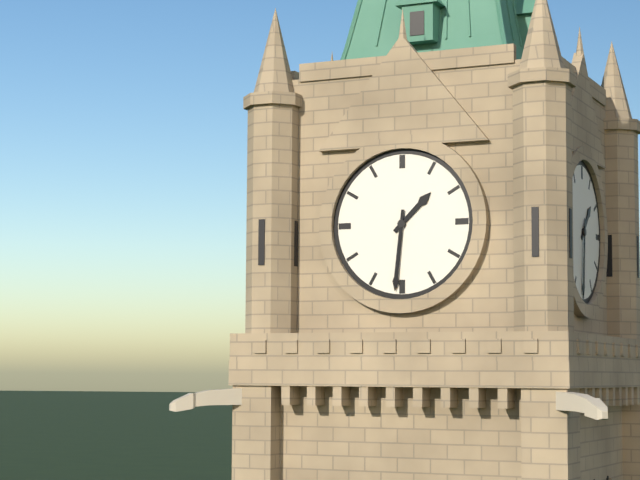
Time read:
1.31
